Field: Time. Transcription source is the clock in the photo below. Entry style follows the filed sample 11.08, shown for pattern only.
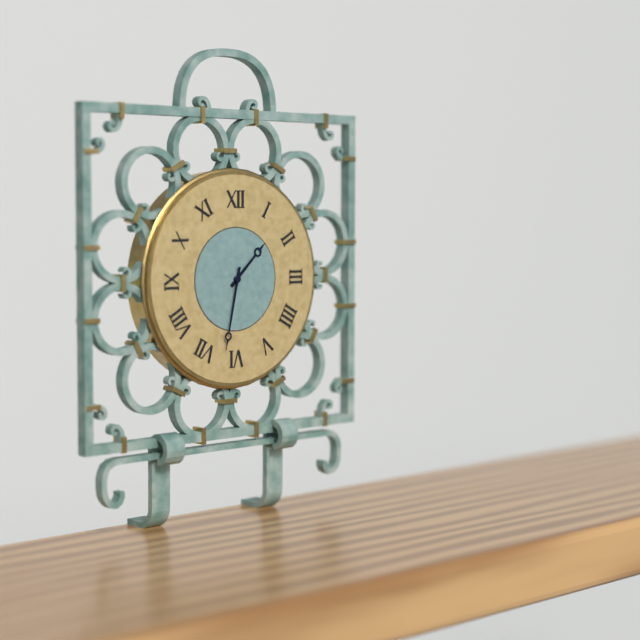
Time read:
1.32
